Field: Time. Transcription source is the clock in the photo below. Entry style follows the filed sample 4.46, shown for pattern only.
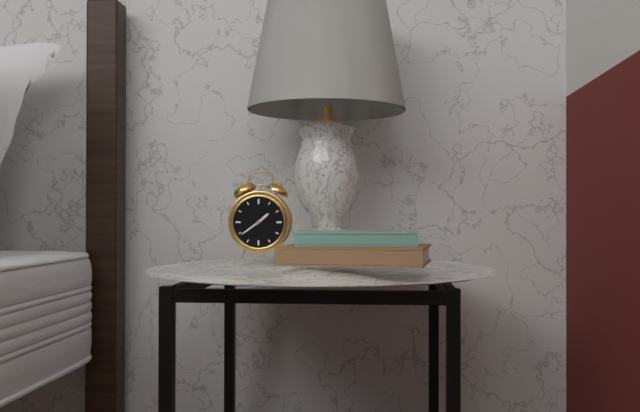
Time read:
1.39
